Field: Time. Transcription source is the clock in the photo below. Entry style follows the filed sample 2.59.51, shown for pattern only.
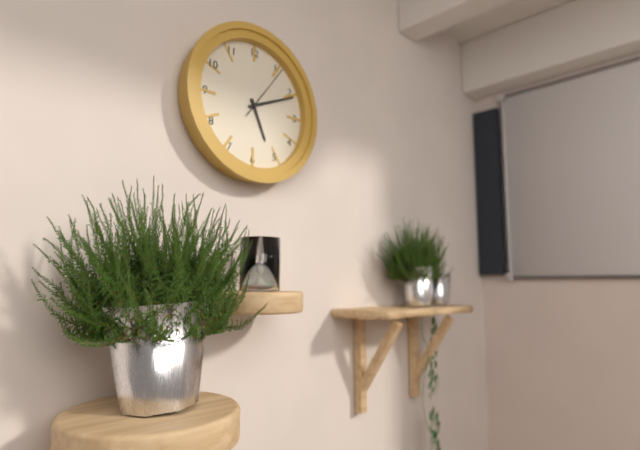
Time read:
5.11.06
